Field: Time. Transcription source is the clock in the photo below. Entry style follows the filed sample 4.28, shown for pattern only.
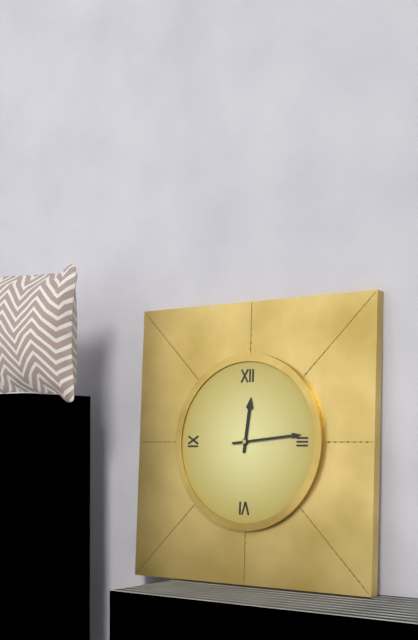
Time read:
12.14
